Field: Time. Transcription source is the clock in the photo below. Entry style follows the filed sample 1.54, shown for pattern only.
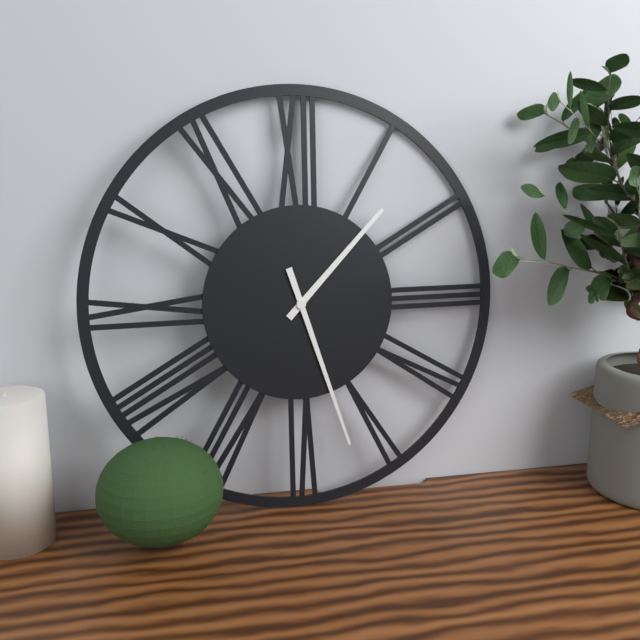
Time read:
1.27
